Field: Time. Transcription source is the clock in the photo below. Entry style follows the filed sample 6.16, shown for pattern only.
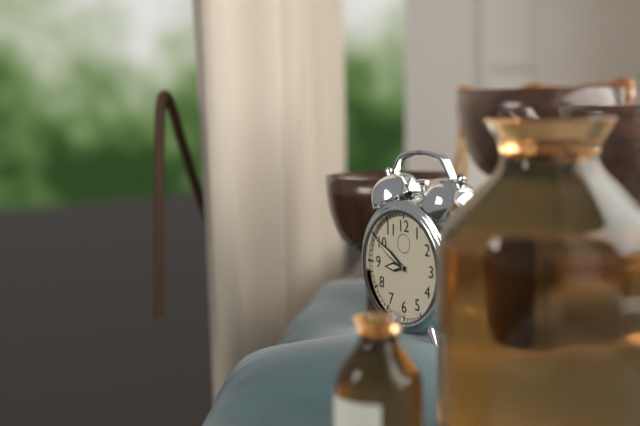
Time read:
8.50
